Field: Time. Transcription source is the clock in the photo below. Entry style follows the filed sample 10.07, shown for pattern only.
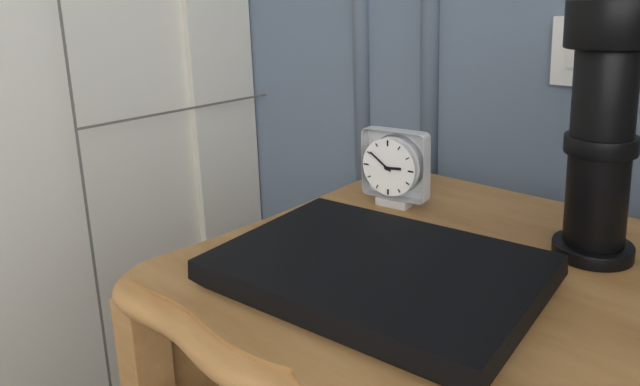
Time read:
2.51
